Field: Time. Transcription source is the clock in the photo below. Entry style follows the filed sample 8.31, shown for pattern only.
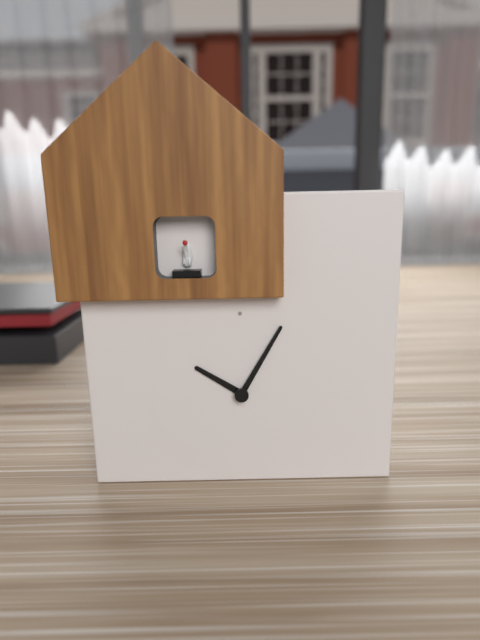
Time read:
10.05
